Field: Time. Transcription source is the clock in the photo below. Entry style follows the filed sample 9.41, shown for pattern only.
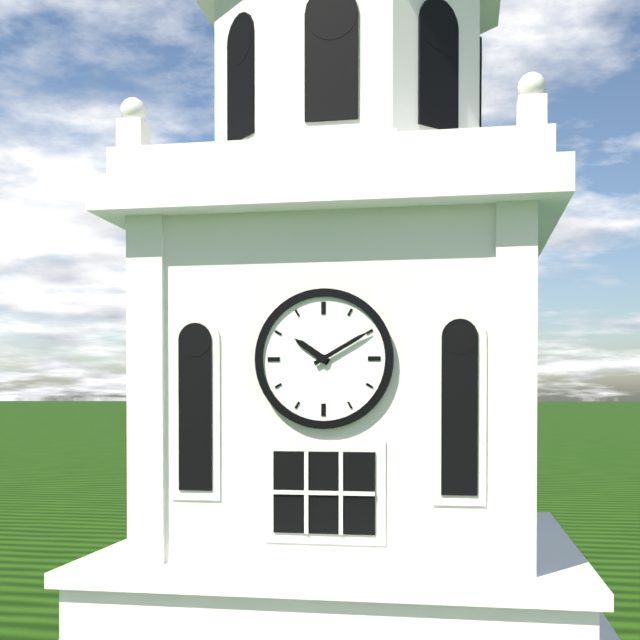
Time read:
10.10
